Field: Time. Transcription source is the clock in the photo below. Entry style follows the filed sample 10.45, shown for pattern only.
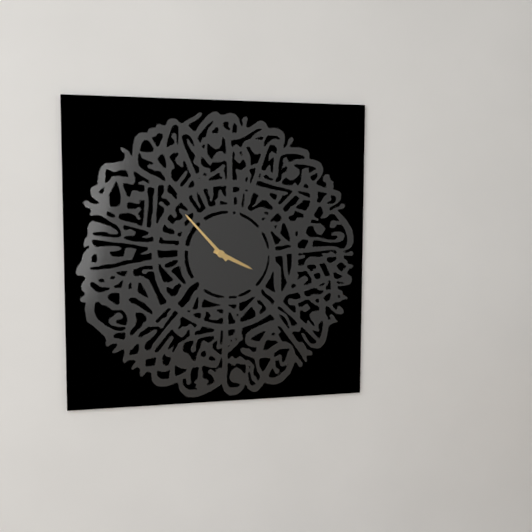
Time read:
3.53
